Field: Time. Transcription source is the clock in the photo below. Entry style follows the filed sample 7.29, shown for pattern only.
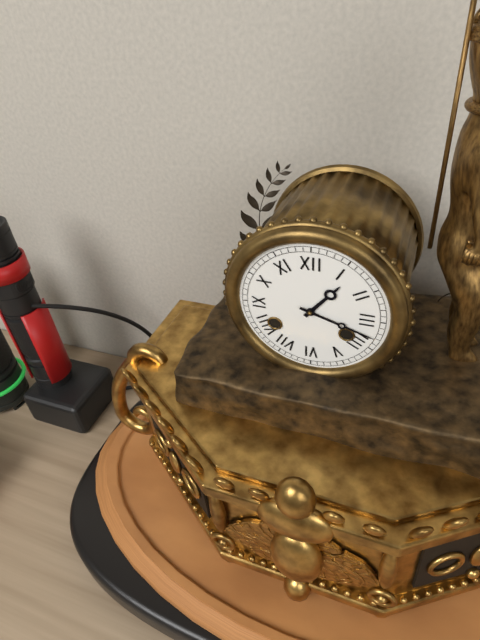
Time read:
1.18
